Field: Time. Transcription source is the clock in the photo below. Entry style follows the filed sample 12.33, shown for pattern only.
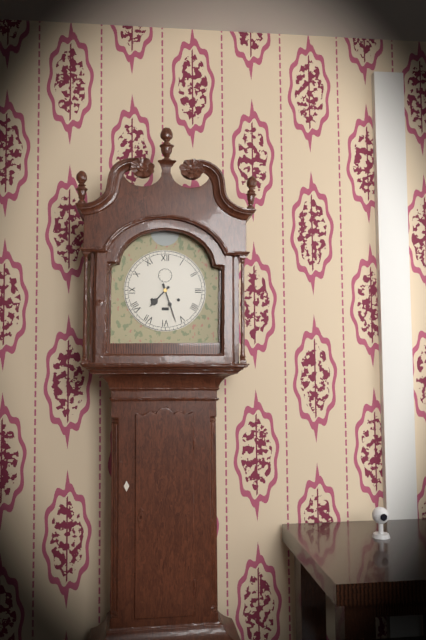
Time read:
7.27
